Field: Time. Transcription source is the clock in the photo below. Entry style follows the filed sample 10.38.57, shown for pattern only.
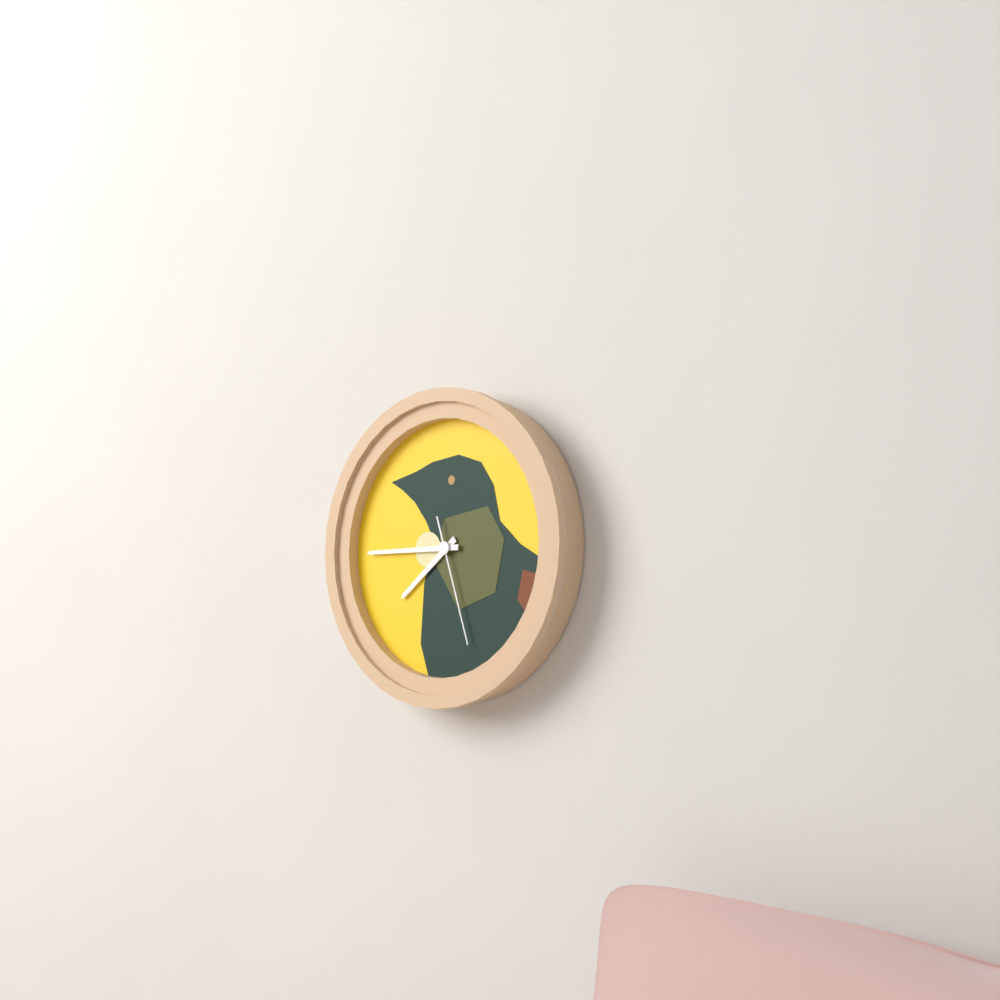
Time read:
7.45.27
